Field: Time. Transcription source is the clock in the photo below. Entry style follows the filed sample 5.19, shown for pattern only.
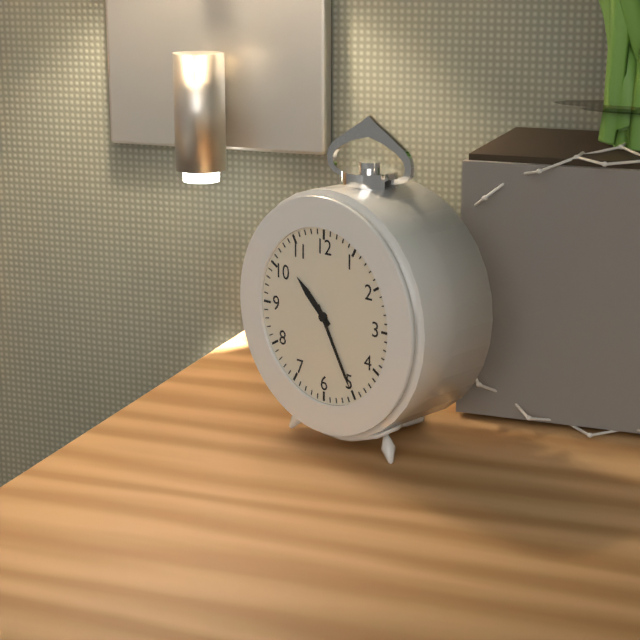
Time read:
10.25
